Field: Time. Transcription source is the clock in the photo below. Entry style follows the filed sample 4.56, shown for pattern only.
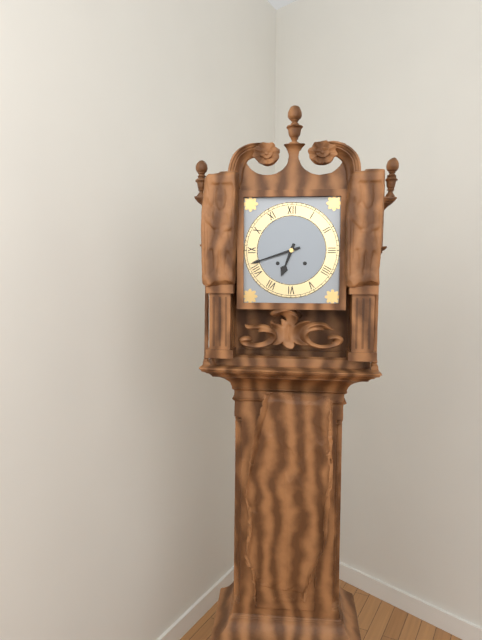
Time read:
6.42
